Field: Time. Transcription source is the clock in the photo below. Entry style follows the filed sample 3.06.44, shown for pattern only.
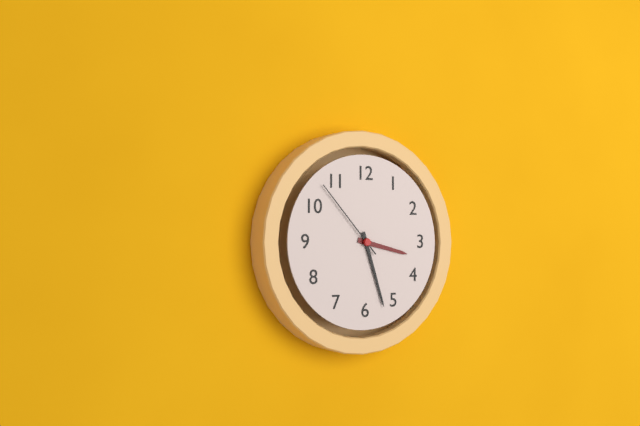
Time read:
3.27.53
